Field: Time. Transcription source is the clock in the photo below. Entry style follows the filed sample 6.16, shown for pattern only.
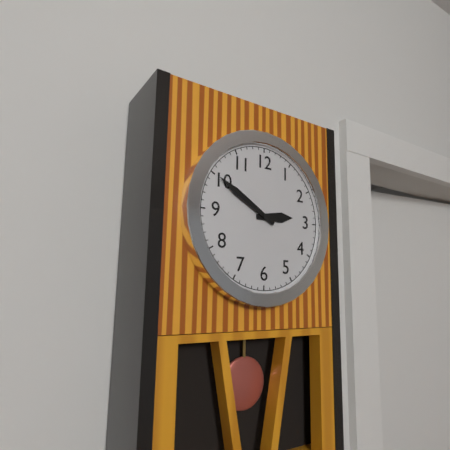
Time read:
2.50
